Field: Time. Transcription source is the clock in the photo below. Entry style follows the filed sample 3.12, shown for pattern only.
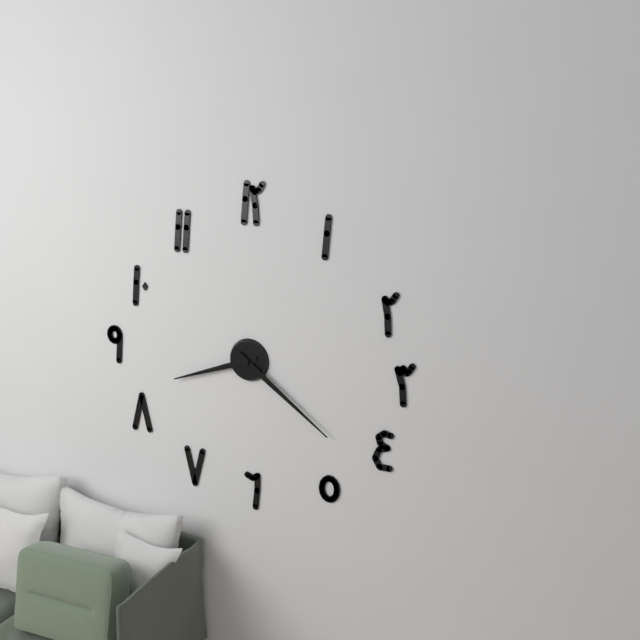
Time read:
8.21
